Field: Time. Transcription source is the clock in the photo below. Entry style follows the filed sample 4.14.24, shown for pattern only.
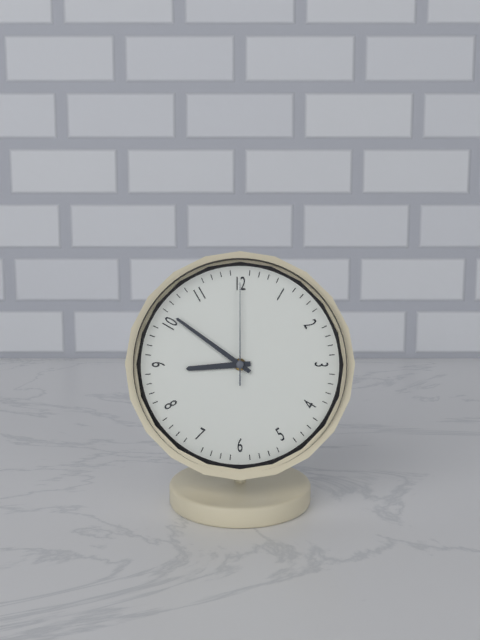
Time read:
8.51.00
